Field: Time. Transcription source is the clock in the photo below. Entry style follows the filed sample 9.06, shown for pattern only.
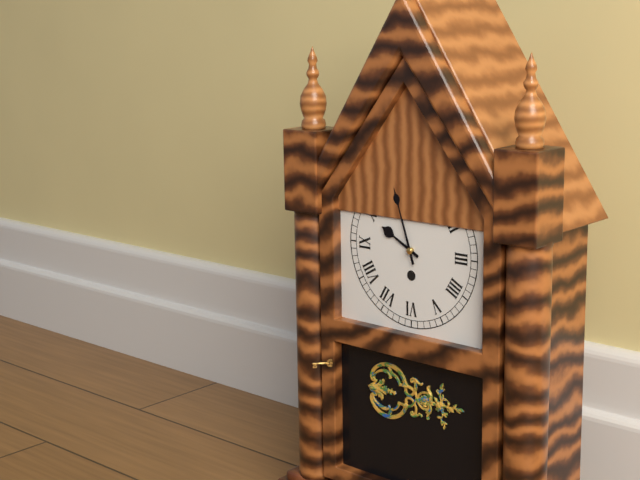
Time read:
9.57
